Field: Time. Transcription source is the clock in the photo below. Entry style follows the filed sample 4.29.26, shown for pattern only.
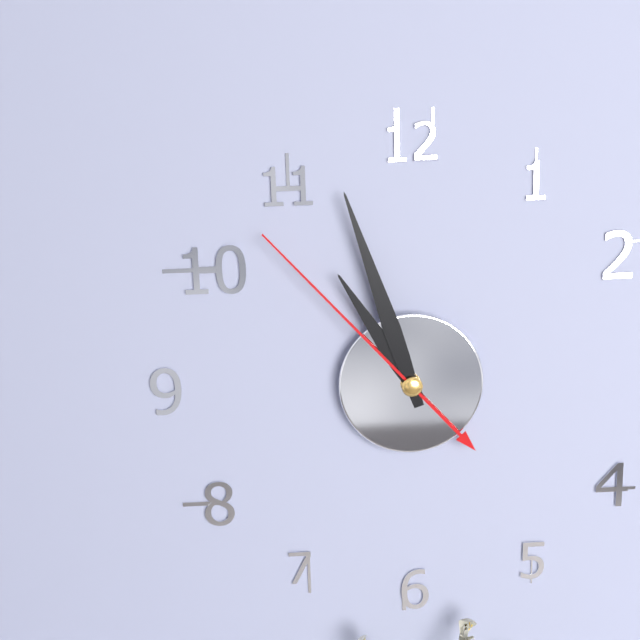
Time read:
10.57.53
